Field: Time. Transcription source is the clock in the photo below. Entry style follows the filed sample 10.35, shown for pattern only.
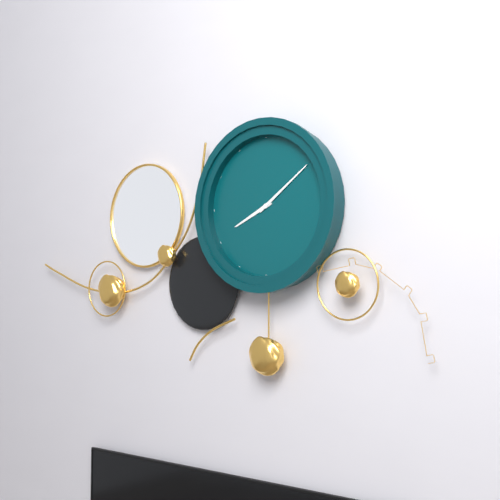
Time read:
8.09
